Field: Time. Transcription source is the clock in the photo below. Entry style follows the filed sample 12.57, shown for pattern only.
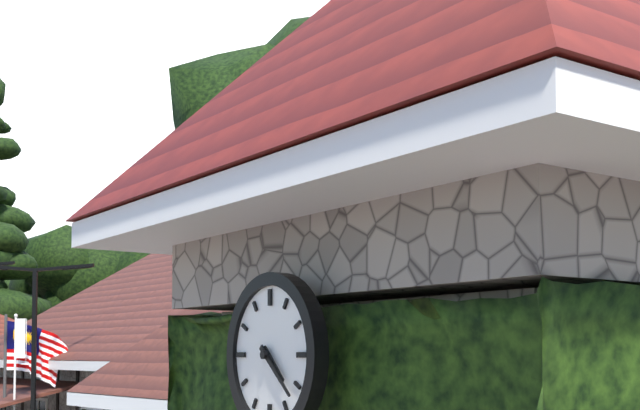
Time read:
4.22
